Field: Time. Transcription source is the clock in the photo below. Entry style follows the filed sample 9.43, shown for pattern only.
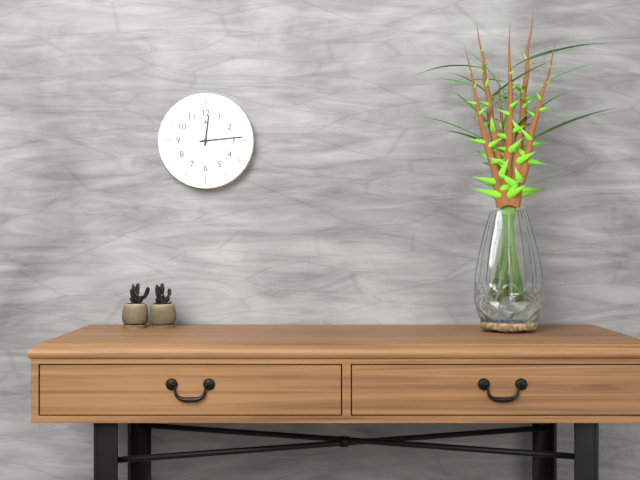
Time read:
12.14
